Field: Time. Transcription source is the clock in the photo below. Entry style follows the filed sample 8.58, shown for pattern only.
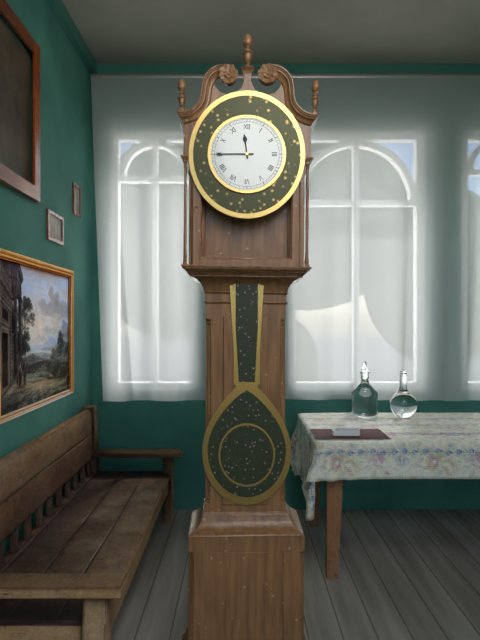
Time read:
11.45
